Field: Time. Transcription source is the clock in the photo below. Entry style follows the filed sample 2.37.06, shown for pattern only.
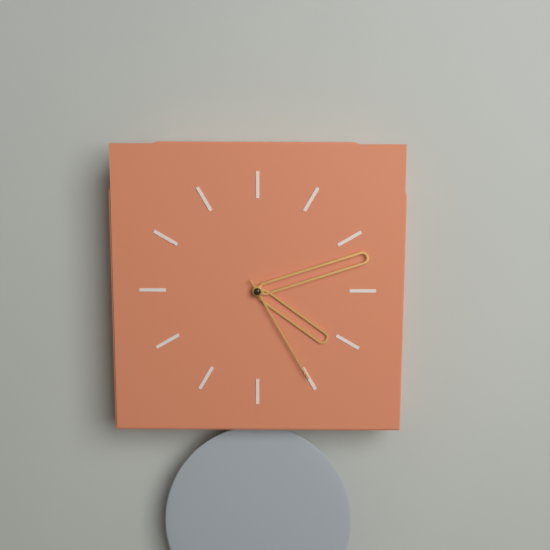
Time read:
4.12.25
